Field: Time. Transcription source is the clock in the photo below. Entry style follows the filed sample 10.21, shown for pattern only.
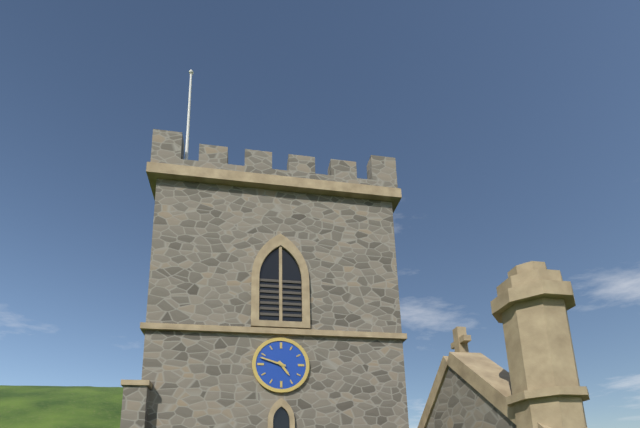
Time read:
4.48
